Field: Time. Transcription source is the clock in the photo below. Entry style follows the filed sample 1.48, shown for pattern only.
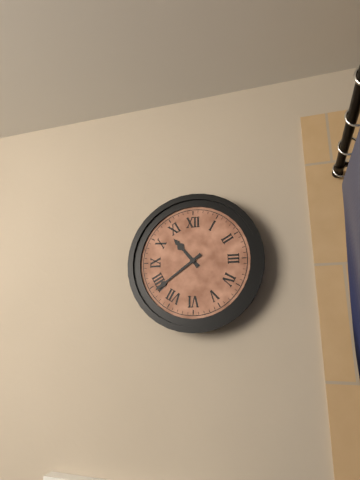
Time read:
10.39
